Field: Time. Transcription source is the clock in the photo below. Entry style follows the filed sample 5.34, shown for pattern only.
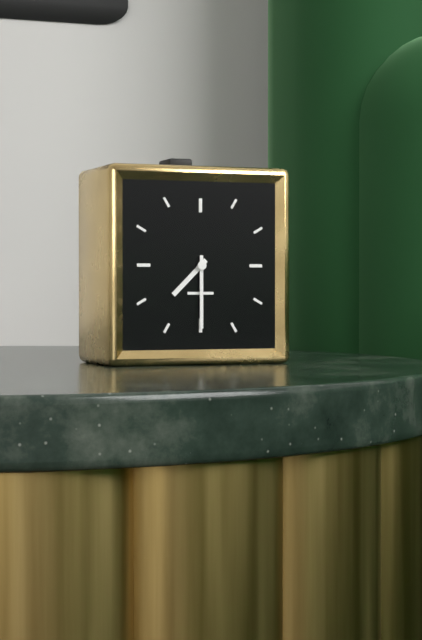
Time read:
7.30
